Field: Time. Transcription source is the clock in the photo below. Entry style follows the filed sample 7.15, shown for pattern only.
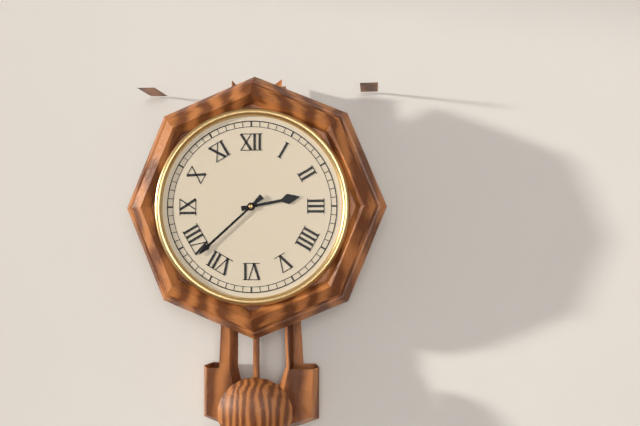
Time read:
2.38
